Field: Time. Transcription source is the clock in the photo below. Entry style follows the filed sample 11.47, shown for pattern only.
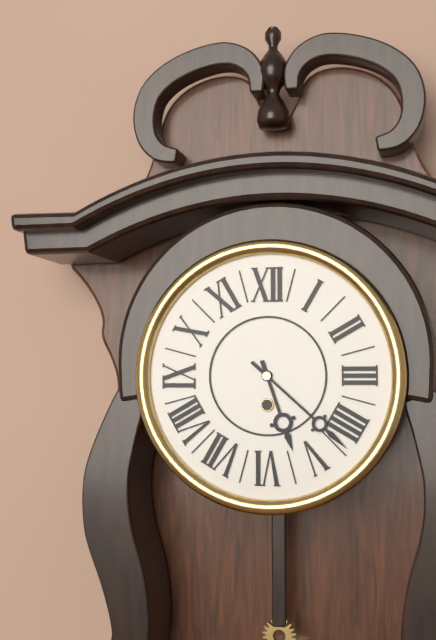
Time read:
5.22
